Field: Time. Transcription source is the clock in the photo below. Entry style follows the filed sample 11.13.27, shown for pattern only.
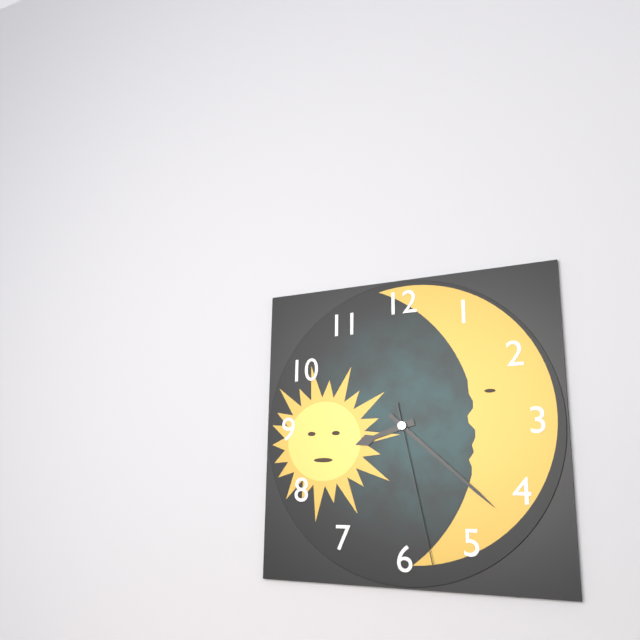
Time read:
8.22.28
